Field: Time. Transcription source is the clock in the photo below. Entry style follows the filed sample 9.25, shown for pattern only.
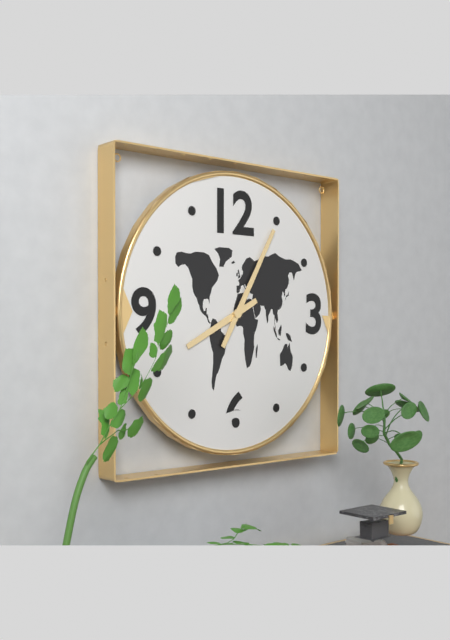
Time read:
8.05
